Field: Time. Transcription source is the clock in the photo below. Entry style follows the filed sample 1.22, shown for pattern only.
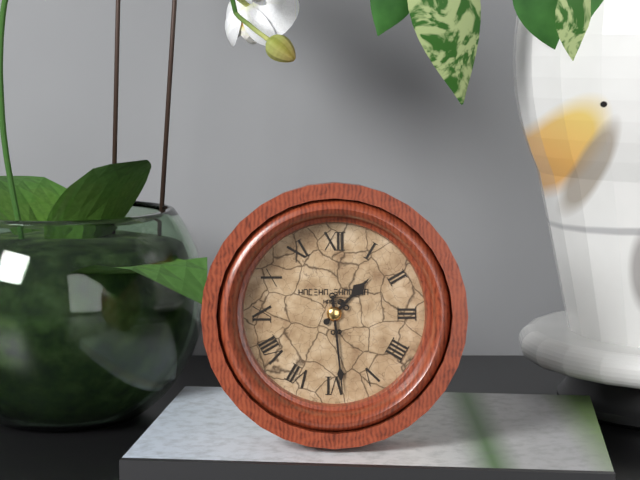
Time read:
1.29
